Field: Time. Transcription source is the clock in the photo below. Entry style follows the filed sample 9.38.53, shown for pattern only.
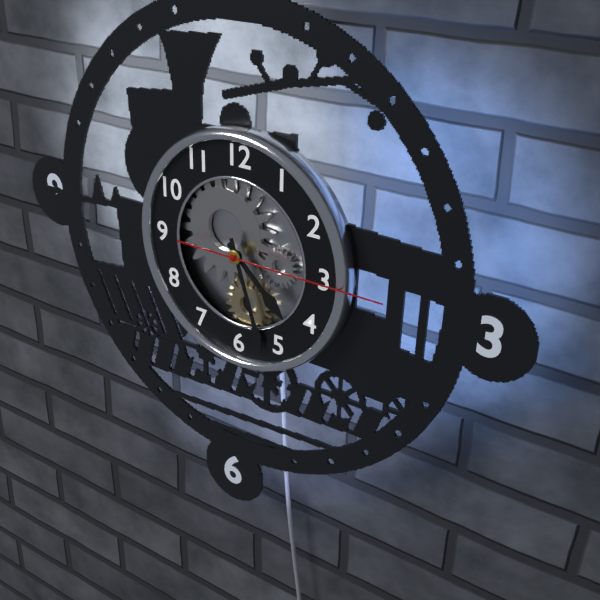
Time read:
4.27.15
